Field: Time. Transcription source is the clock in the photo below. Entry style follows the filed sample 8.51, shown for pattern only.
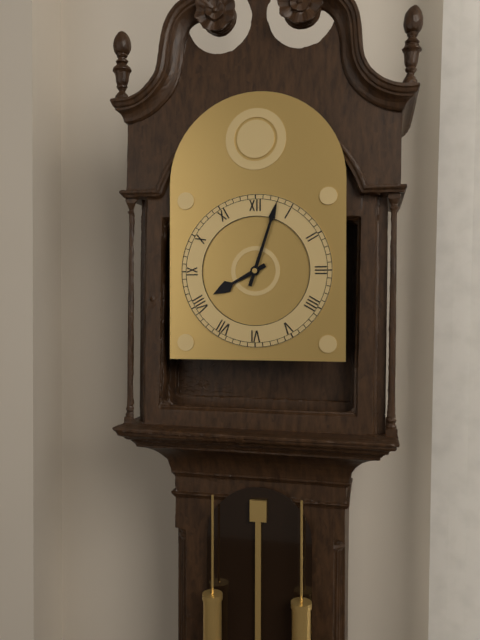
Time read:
8.03
